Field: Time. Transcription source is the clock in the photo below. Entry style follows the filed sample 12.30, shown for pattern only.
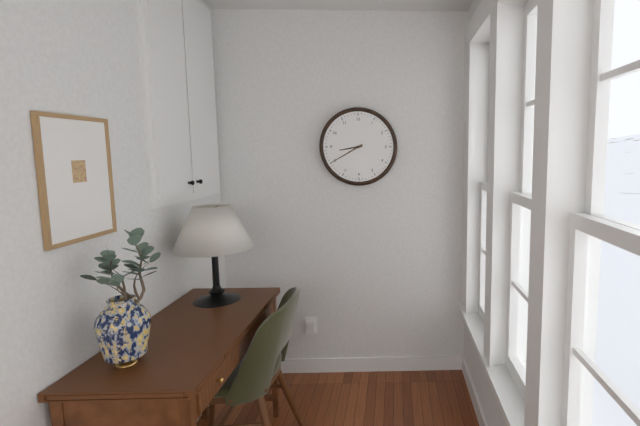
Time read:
8.40
